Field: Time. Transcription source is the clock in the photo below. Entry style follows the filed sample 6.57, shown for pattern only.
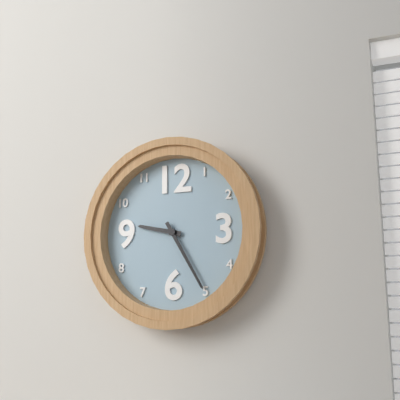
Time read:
9.25
